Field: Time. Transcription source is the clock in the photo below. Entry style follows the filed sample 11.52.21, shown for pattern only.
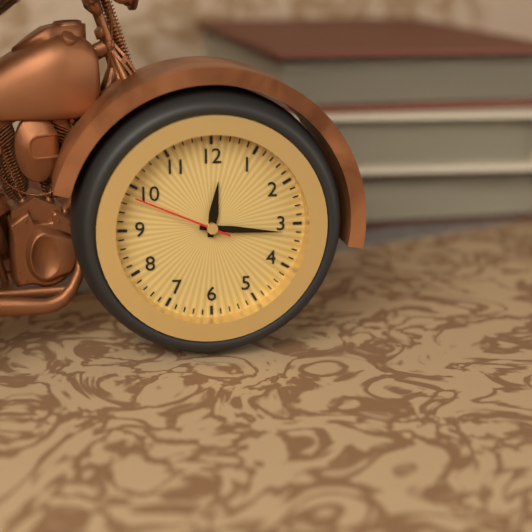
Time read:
12.16.49
